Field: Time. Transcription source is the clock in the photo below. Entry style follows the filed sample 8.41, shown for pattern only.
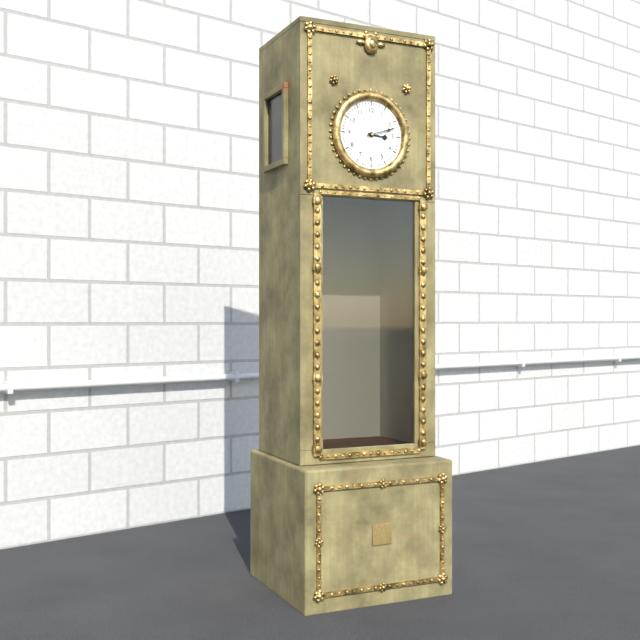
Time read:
3.12
